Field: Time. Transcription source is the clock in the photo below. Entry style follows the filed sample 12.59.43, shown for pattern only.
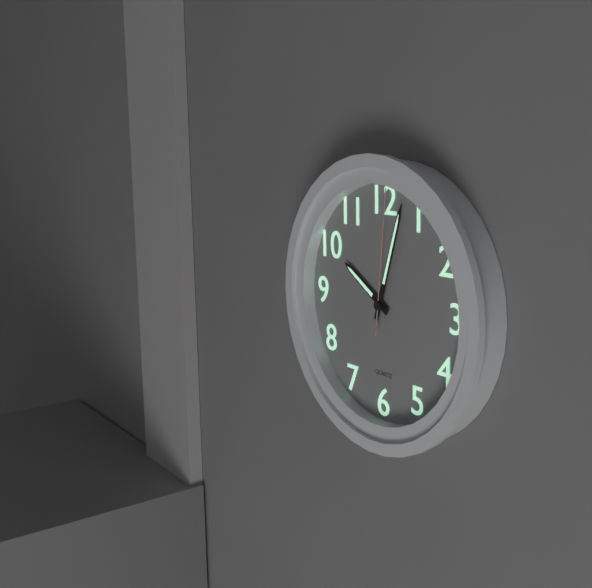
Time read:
10.03.01
